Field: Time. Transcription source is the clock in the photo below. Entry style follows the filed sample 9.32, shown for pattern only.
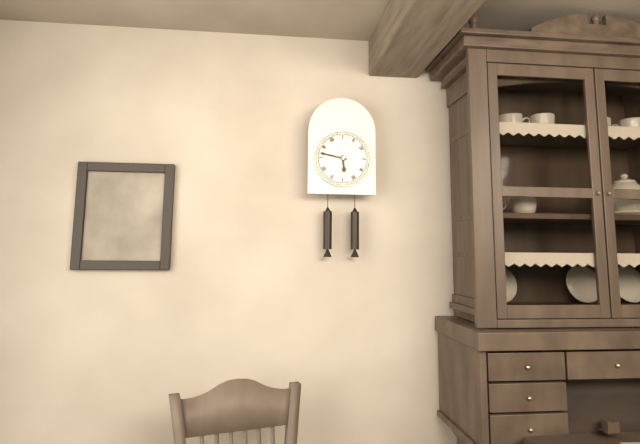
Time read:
5.47
